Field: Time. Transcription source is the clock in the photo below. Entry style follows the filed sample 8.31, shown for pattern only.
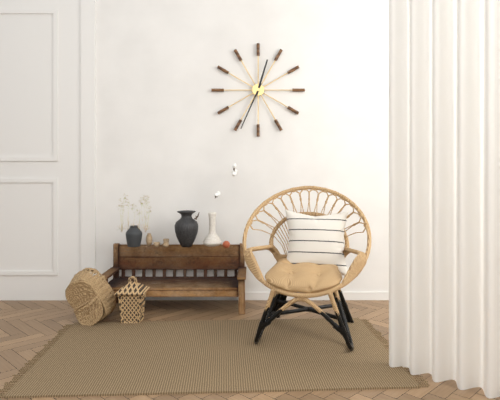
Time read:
12.34
